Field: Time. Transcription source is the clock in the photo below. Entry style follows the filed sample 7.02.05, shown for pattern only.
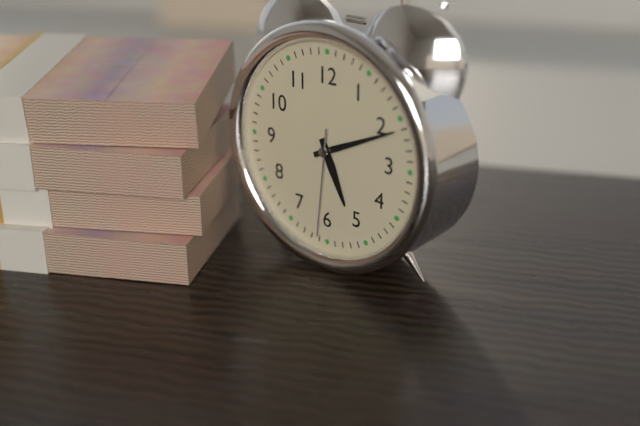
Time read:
5.11.31
